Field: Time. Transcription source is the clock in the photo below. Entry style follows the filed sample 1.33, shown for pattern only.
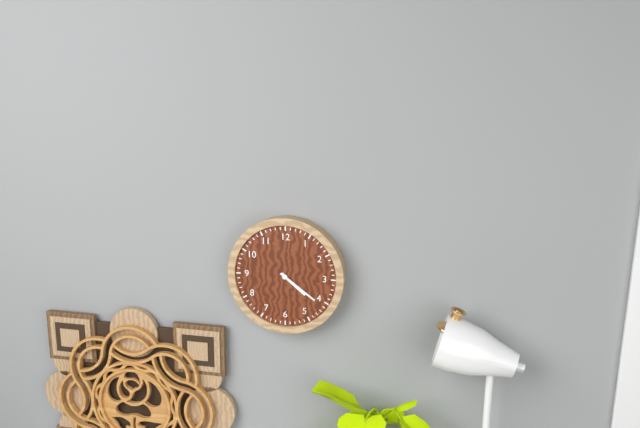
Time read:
4.21
